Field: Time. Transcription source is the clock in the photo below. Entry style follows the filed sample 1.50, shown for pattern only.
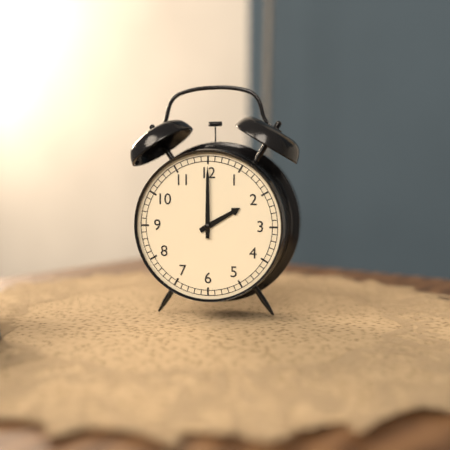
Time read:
2.00
